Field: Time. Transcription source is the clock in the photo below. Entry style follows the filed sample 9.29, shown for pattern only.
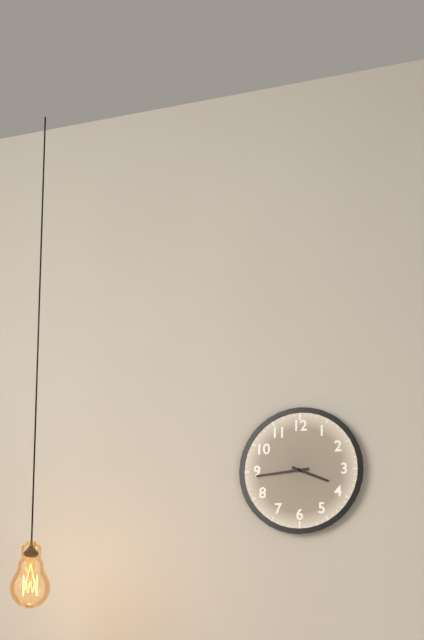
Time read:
3.44
